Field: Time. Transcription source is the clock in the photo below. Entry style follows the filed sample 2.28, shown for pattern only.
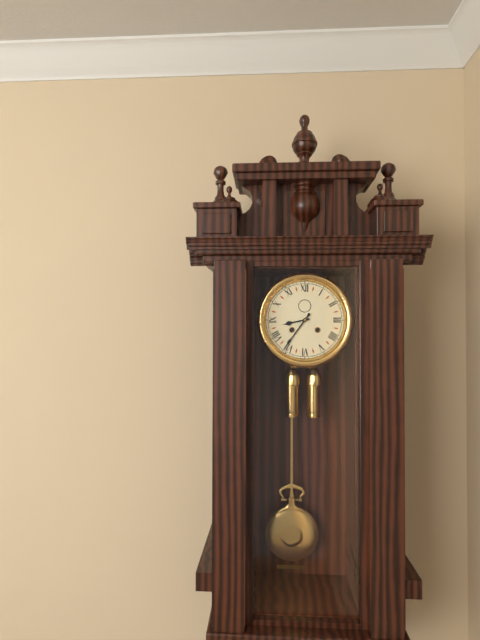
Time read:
8.36
